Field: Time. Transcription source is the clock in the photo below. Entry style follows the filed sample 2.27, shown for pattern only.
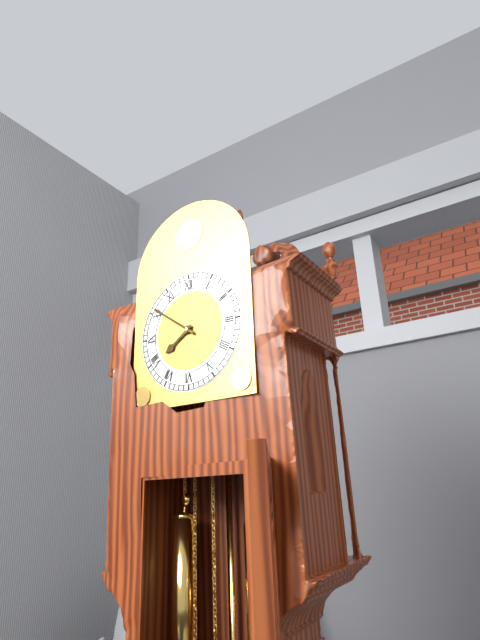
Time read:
7.51
